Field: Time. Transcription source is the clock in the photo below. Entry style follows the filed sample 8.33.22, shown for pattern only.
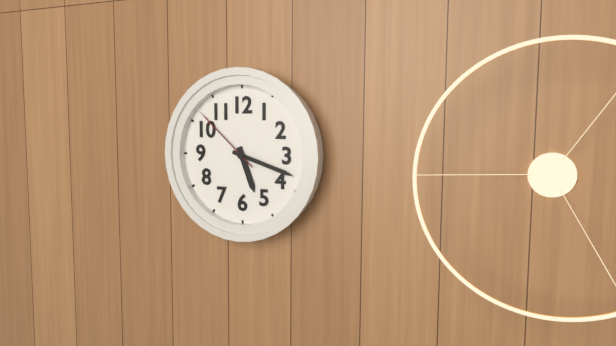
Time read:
5.18.52
